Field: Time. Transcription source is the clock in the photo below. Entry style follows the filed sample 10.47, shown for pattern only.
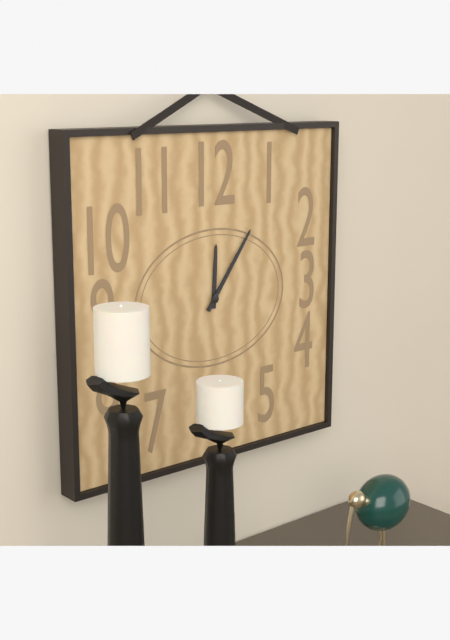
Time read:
12.06
